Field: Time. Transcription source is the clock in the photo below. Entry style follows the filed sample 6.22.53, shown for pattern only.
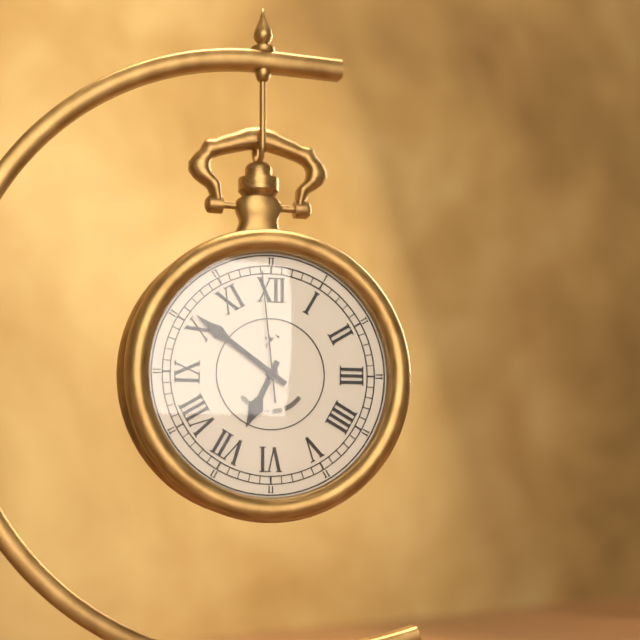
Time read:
6.51.59
